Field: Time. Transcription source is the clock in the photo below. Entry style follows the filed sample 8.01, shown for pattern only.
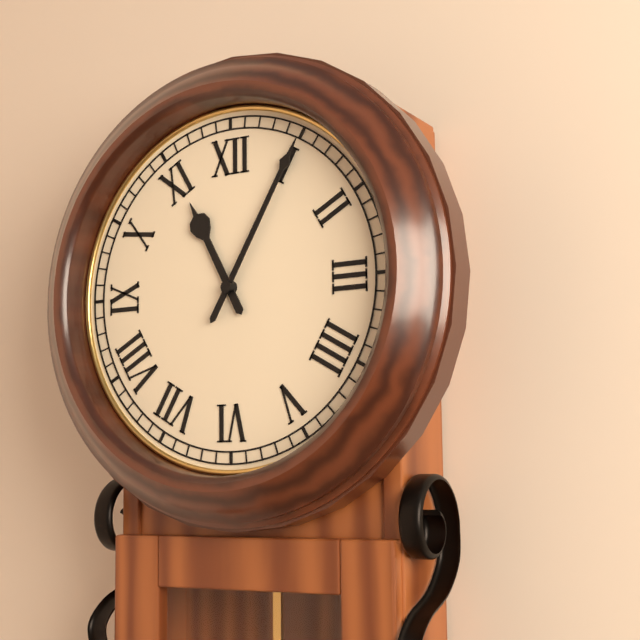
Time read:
11.05
